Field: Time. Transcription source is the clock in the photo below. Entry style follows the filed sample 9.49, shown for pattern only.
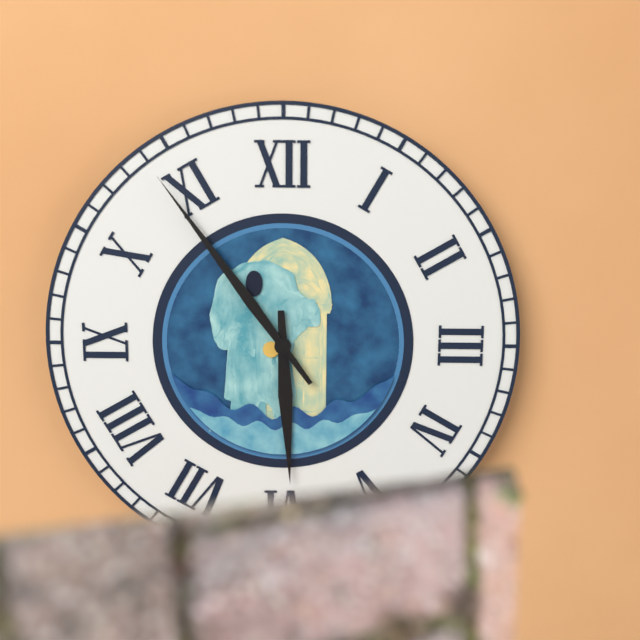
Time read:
5.54
